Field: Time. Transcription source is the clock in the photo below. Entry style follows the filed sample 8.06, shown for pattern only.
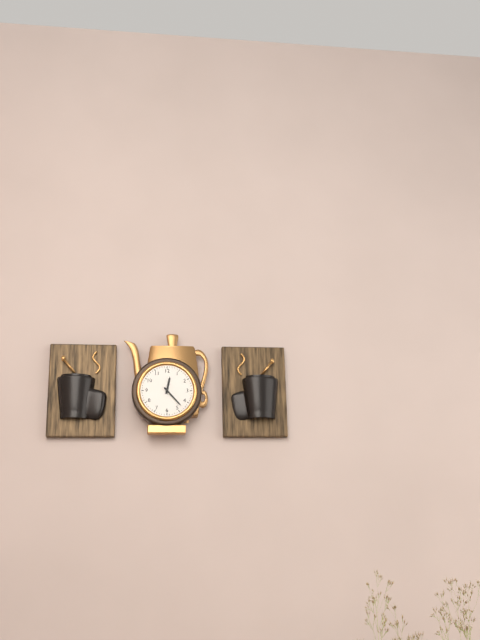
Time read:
12.23
